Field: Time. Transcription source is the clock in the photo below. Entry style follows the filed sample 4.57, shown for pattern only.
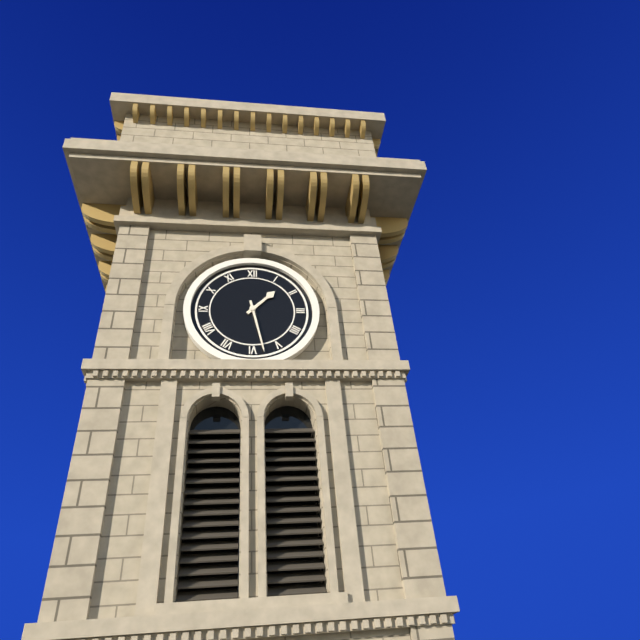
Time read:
1.28
